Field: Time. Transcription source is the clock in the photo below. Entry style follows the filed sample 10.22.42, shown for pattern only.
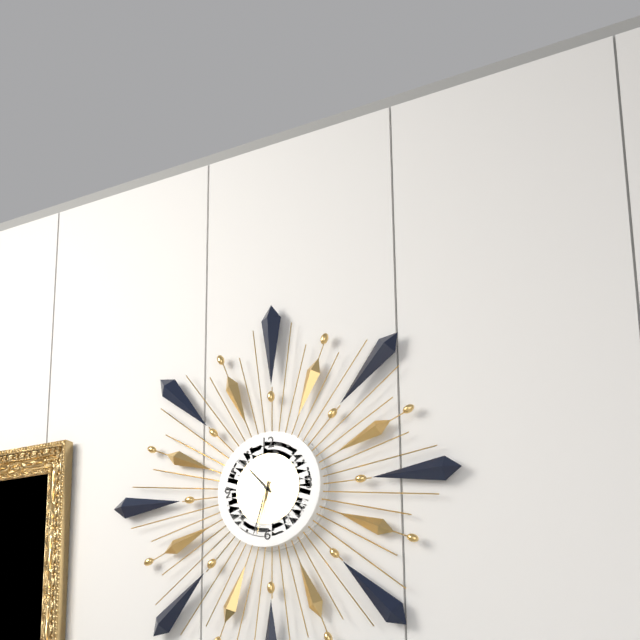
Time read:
10.33.32
